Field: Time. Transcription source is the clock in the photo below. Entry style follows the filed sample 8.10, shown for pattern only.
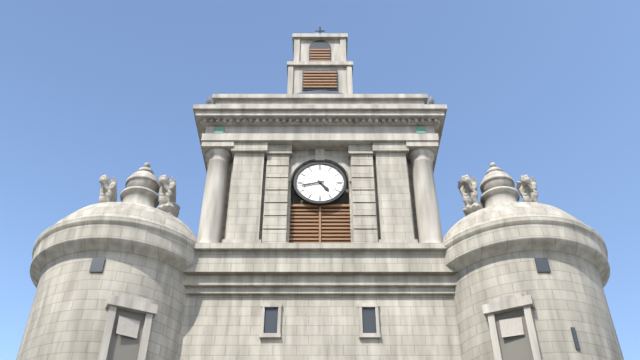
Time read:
4.43
